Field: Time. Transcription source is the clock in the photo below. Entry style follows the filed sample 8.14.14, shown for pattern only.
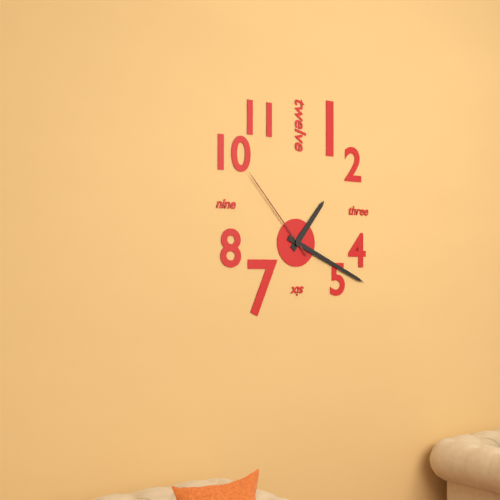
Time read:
1.19.53
